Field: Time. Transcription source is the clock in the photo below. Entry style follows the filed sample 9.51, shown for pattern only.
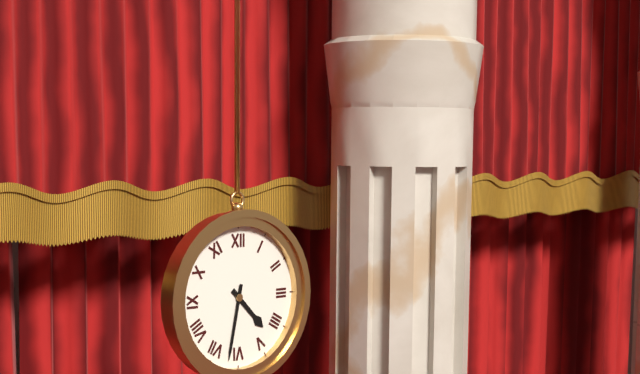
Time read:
4.32
